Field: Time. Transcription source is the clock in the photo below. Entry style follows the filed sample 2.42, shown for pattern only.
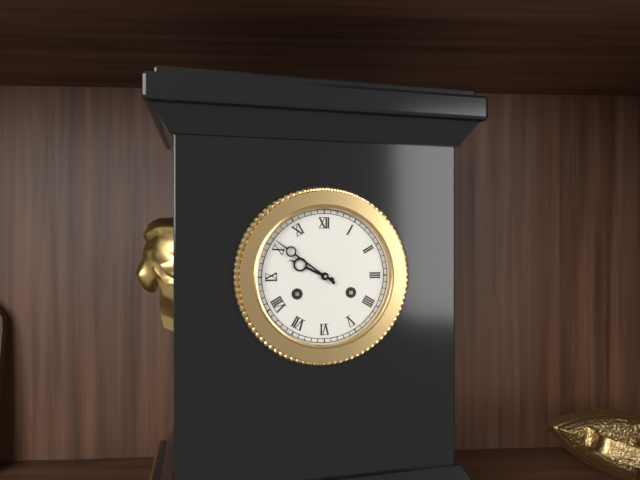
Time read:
9.51
